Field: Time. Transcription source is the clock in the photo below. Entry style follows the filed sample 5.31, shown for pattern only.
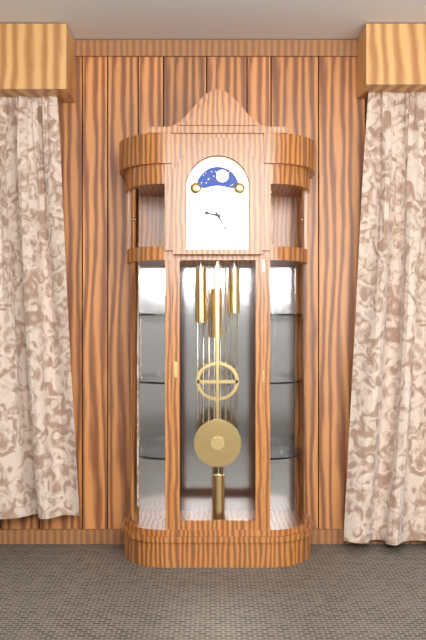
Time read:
9.25
